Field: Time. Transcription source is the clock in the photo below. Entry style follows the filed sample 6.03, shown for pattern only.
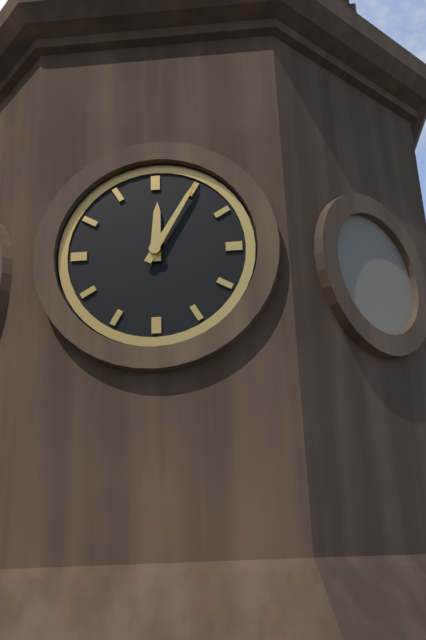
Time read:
12.05
